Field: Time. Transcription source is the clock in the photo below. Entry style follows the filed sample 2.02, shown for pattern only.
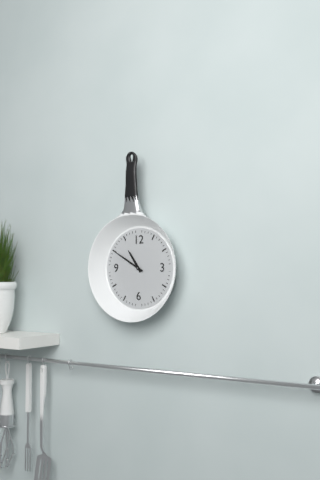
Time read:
10.50
